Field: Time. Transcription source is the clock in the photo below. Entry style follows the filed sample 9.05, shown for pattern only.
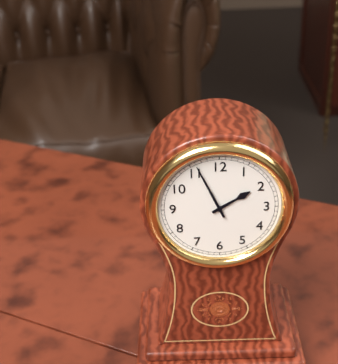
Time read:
1.56
